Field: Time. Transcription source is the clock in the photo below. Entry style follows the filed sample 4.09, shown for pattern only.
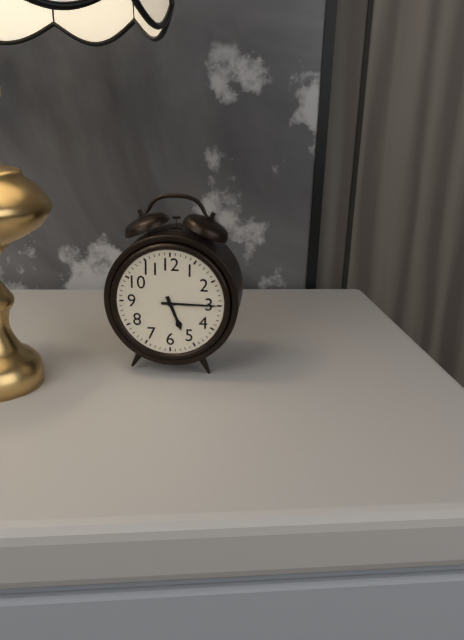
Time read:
5.15
